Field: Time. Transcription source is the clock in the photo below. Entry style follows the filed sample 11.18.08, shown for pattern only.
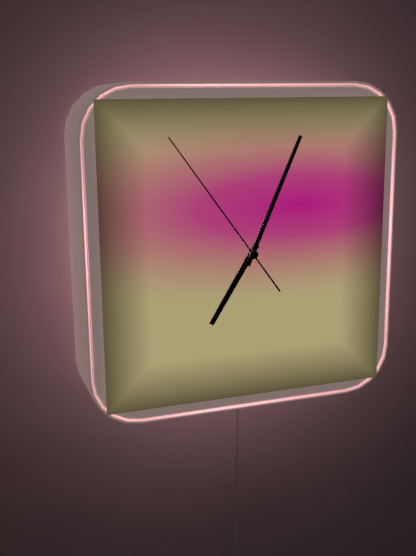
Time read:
7.04.54
